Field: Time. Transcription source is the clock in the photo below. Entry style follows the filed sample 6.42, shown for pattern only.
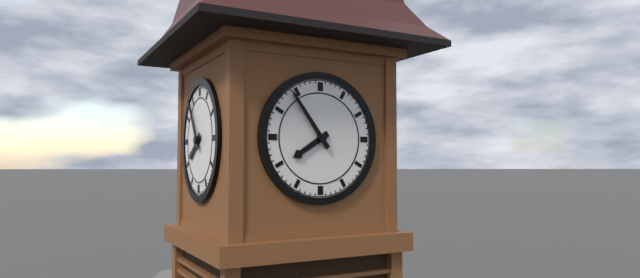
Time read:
7.54
